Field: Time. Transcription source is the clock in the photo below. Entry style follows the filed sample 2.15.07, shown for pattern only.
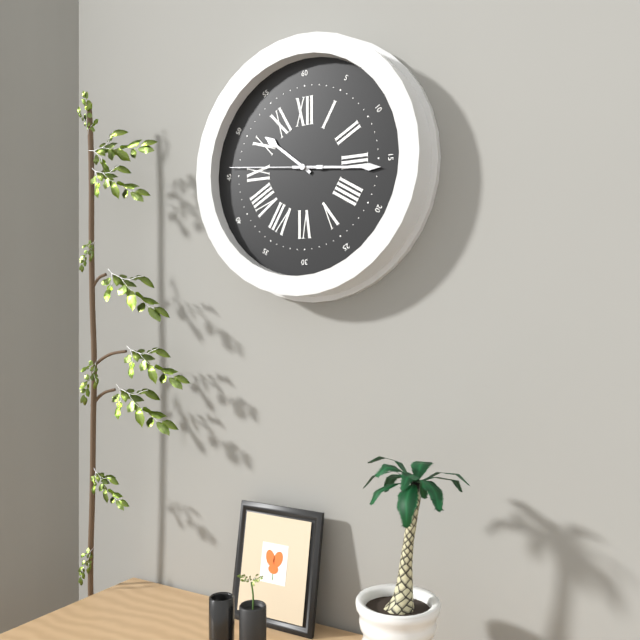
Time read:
10.16.46
